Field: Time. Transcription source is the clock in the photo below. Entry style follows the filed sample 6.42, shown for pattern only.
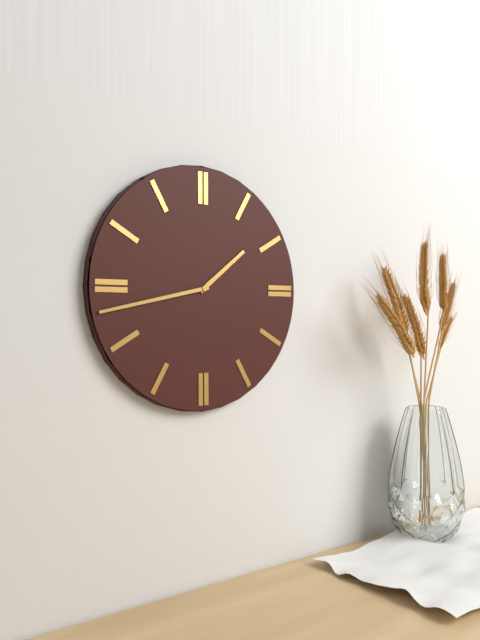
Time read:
1.43
